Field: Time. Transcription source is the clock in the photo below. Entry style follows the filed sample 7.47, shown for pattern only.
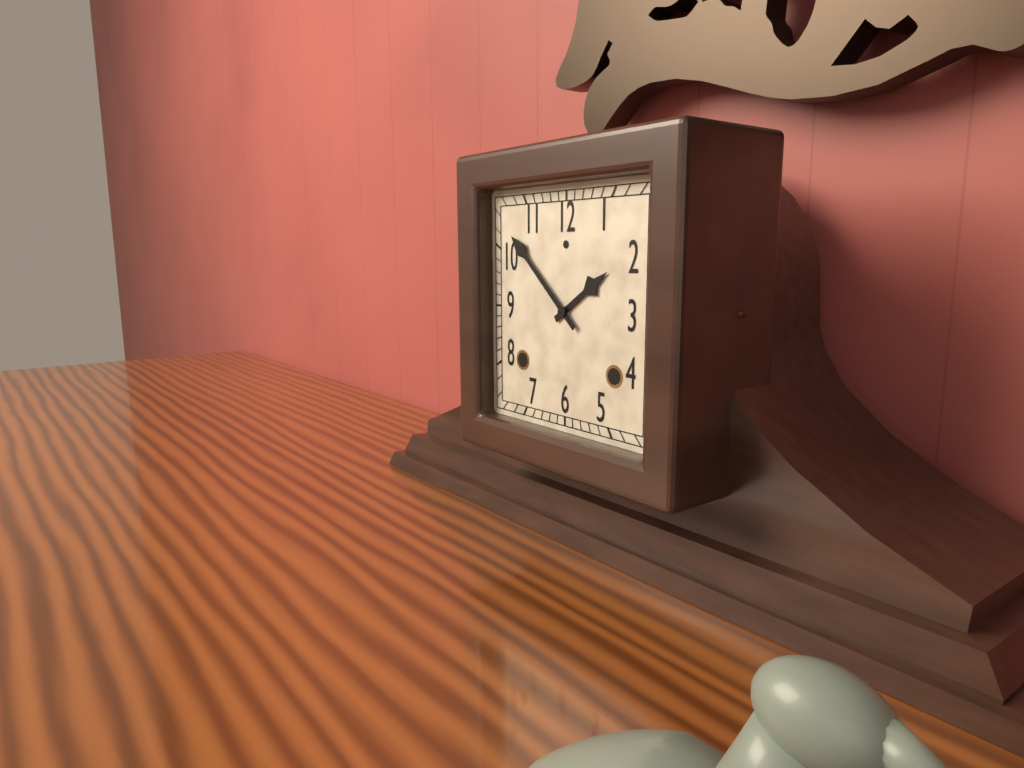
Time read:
1.52
